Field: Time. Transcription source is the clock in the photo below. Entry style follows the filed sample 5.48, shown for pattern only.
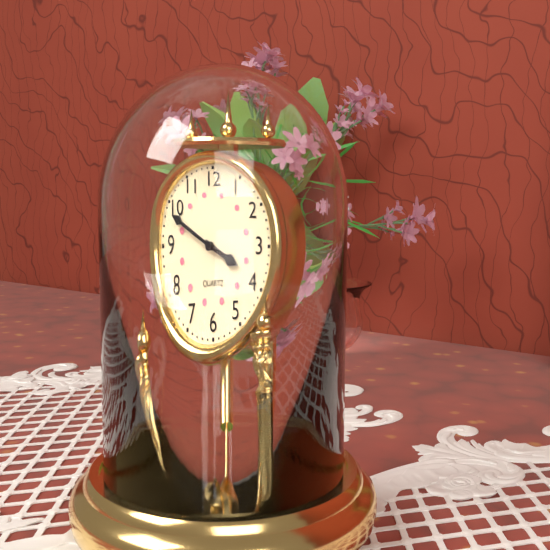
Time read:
3.49
